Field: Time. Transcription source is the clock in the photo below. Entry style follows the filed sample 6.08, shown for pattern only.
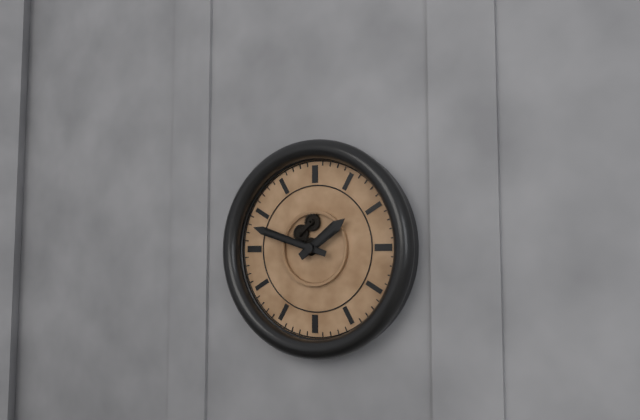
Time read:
1.48
